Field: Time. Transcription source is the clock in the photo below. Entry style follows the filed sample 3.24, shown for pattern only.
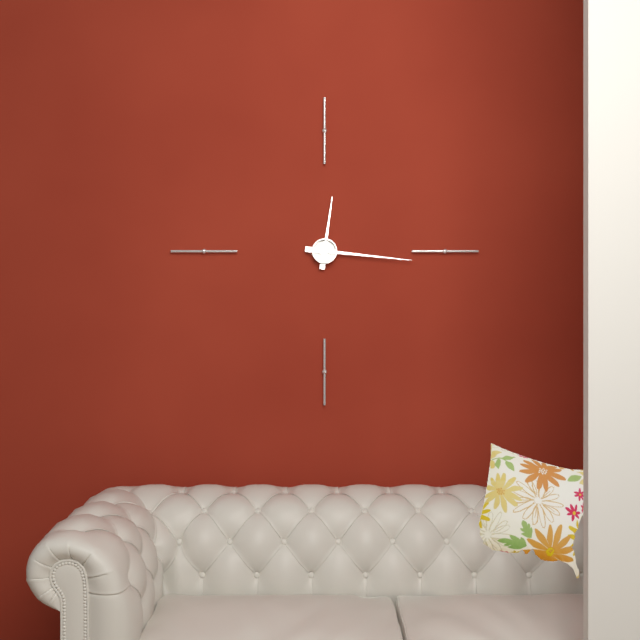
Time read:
12.16
